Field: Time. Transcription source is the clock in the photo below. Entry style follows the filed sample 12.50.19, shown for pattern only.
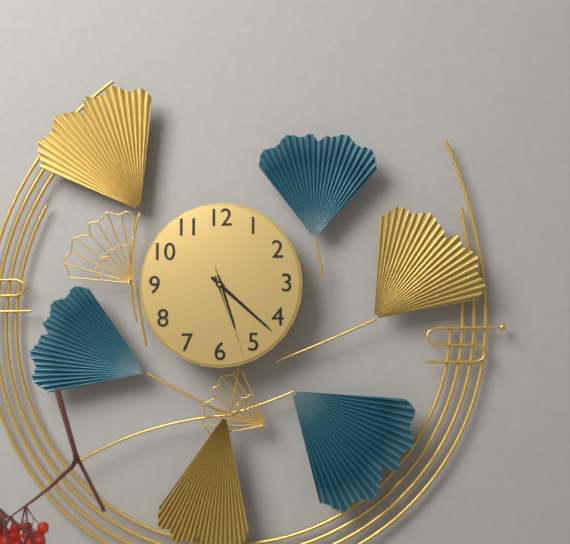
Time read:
5.22.27
